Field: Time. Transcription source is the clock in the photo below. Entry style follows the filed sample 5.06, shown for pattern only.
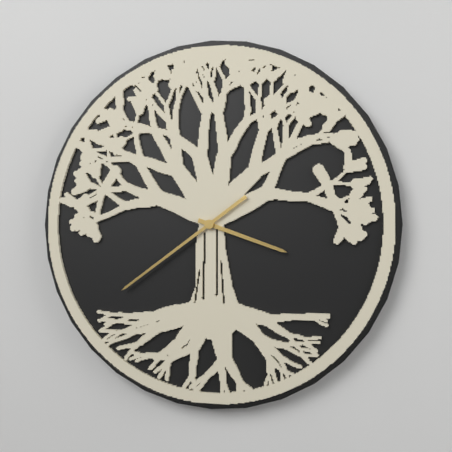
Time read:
3.39
